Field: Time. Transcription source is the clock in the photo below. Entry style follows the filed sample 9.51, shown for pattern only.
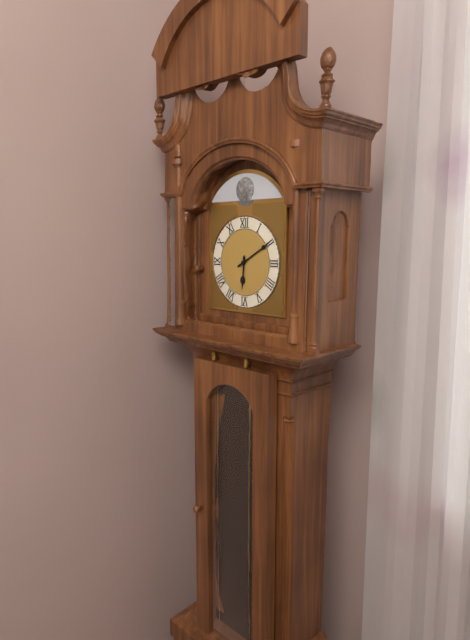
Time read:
6.10
